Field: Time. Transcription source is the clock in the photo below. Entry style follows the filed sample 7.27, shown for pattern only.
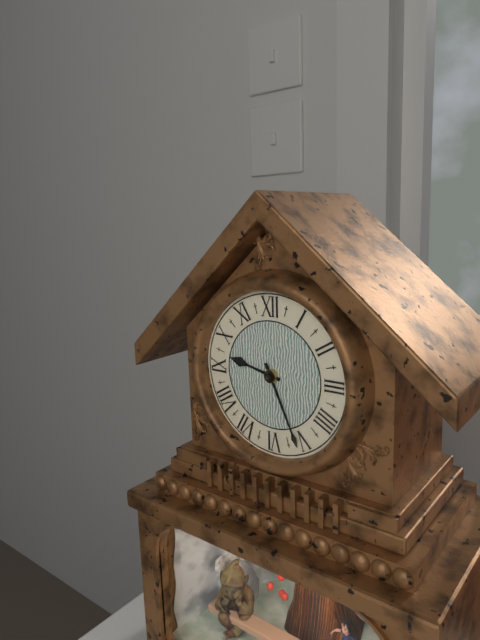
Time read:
9.26
